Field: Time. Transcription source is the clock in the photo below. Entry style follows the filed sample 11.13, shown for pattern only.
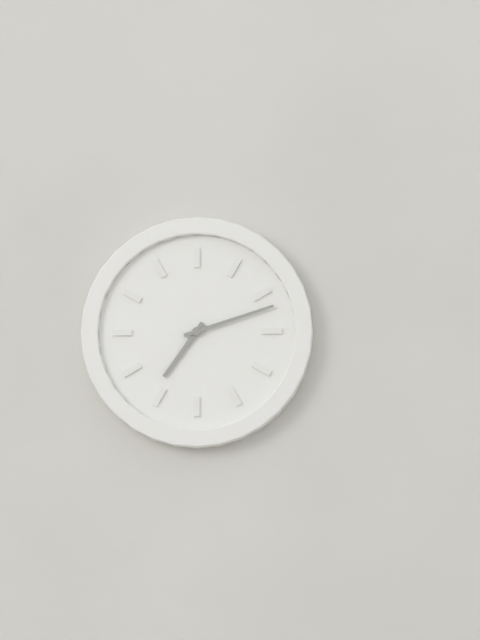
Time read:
7.12
